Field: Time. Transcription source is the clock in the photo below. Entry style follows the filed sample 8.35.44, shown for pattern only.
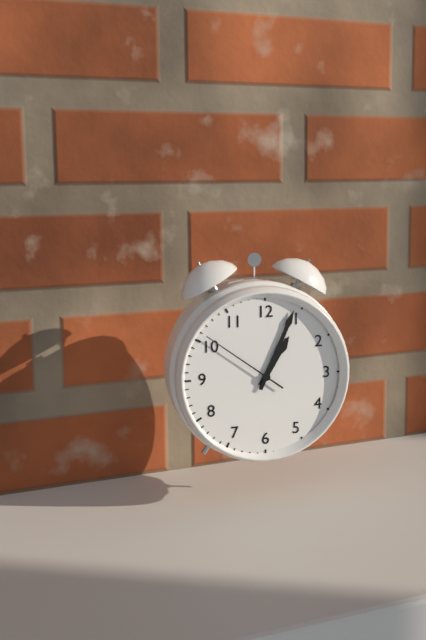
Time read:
1.04.51
